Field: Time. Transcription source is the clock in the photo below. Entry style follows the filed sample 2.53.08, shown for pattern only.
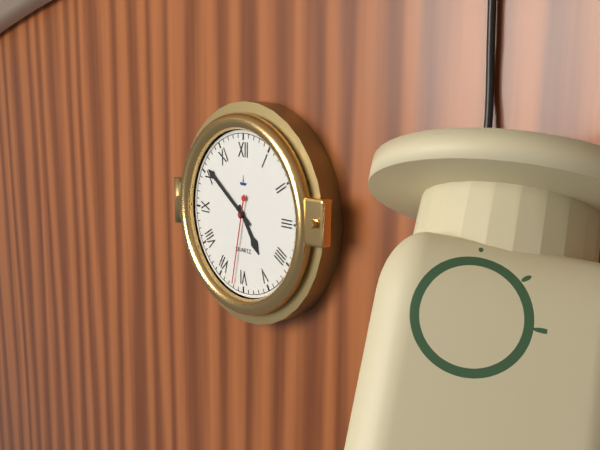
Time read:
4.51.32
